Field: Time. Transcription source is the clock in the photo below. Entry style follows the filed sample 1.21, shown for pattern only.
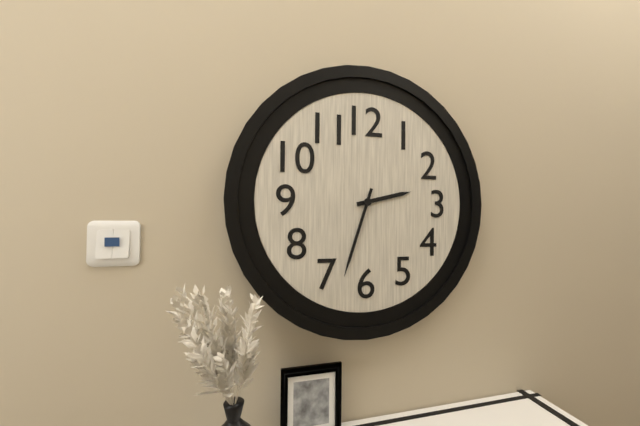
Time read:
2.33
